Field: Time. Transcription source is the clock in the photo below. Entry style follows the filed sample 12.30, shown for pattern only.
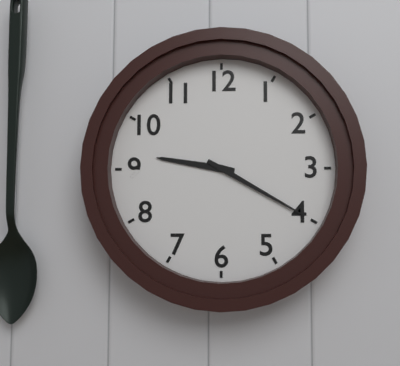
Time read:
9.20
